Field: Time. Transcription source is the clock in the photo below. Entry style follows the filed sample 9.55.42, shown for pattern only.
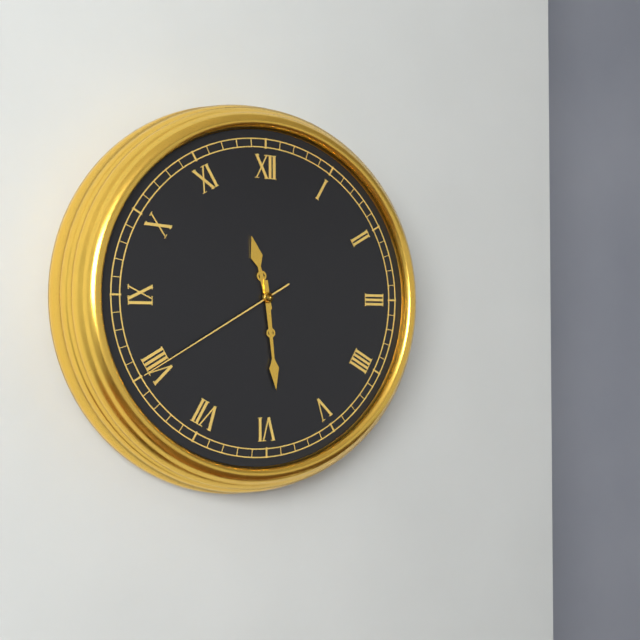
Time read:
11.29.40
